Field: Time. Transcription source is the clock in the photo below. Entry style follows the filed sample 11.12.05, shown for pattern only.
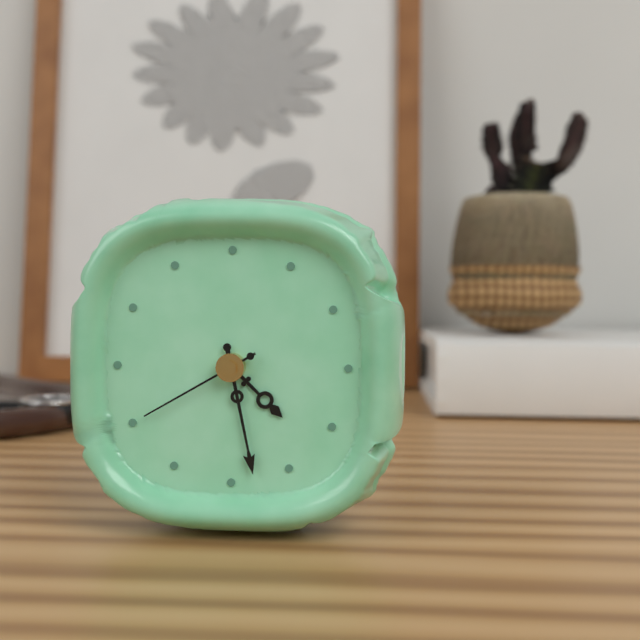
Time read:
4.28.40
